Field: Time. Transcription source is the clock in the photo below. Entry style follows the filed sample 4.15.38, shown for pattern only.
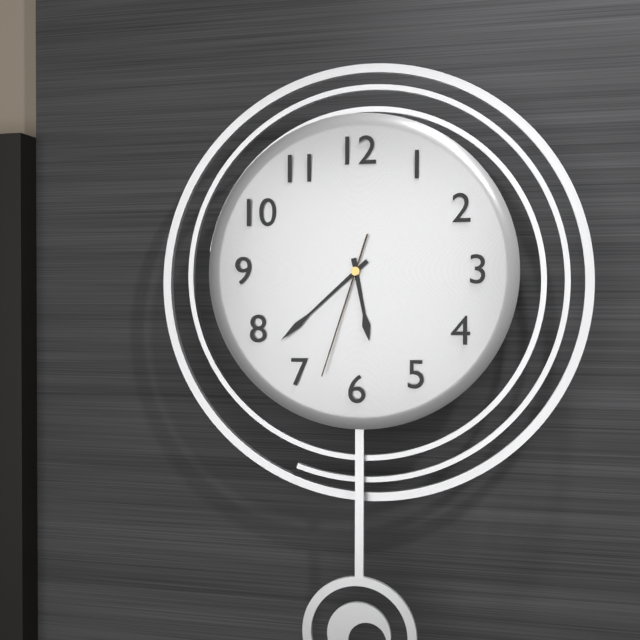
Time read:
5.38.33
